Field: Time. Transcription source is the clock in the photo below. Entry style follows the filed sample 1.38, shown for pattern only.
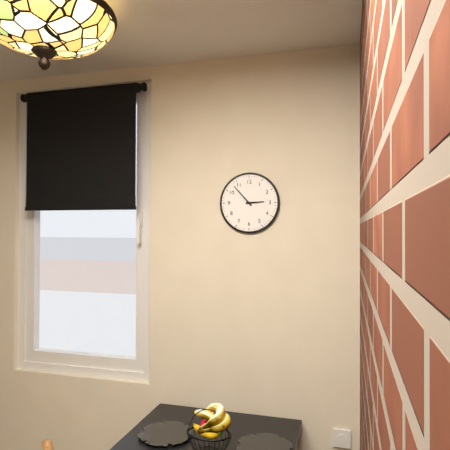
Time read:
2.53
